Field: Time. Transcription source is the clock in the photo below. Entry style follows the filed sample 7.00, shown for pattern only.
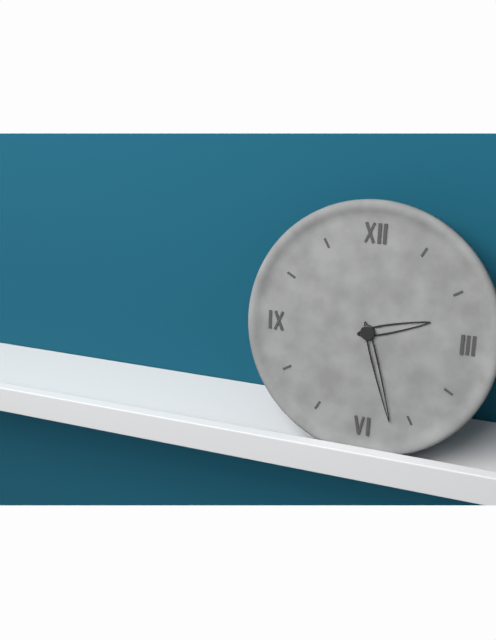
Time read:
2.27
